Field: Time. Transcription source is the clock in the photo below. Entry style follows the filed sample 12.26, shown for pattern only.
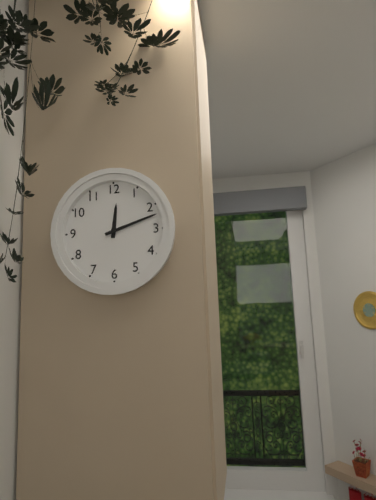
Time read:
12.12
